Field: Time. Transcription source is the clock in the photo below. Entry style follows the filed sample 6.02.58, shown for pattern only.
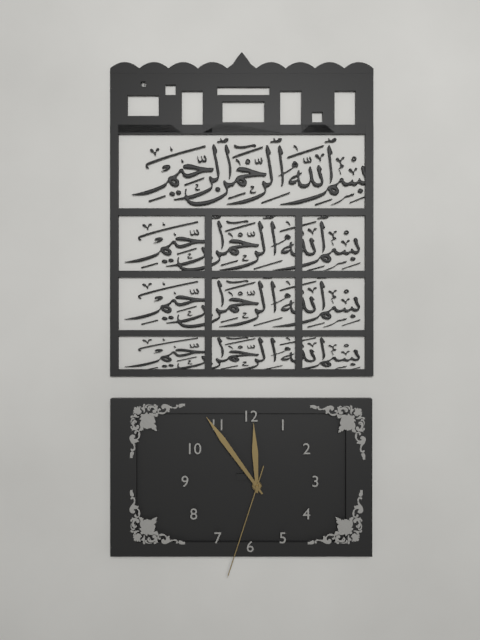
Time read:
11.54.33
